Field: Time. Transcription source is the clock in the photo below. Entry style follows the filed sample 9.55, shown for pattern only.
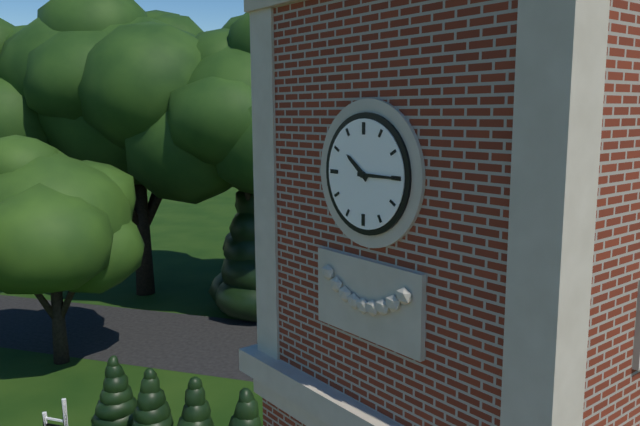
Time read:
10.15
